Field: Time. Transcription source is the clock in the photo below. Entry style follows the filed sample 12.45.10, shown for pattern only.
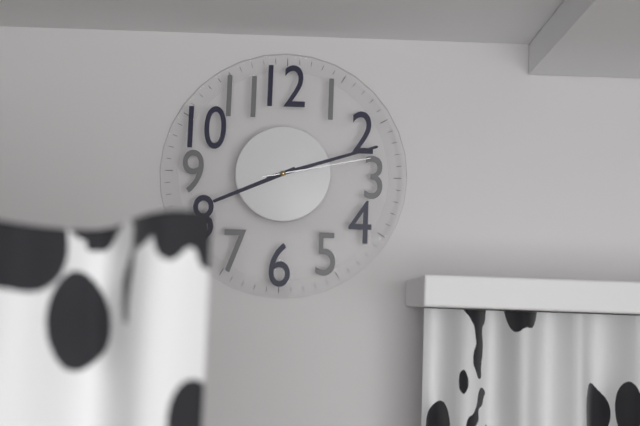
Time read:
8.12.13
